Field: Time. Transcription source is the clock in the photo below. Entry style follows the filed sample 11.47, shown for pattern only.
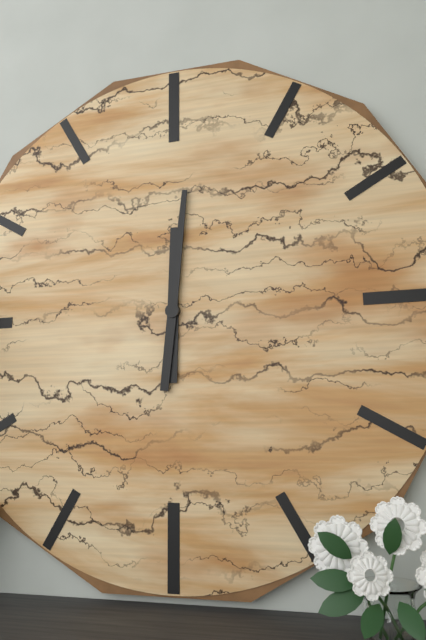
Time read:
12.01
